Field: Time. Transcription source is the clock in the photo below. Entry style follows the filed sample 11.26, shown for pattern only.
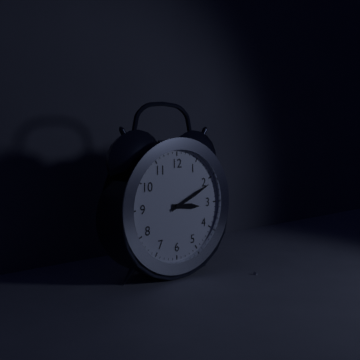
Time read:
3.11
